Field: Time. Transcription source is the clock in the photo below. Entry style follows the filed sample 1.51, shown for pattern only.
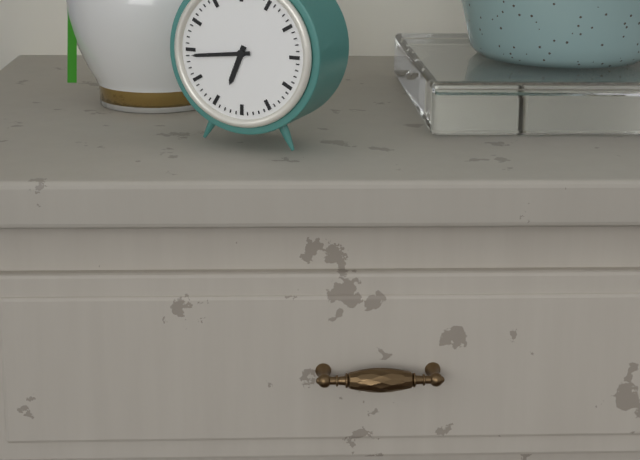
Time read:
6.44
